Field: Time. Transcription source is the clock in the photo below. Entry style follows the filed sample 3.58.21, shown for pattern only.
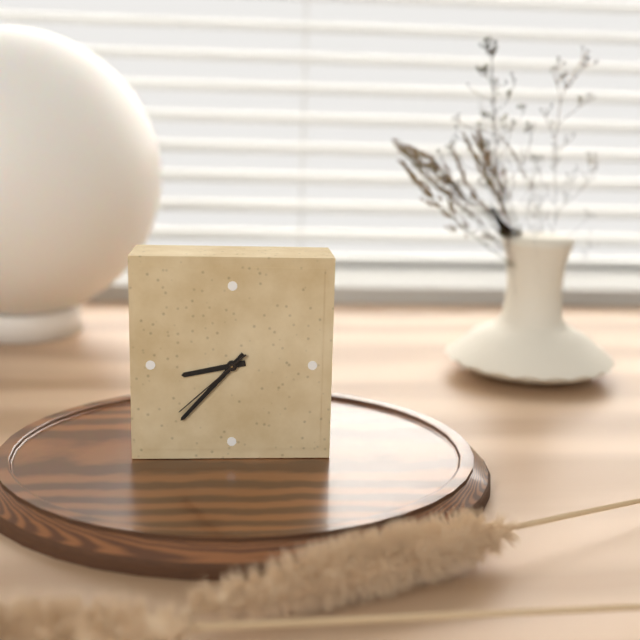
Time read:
8.37.38
